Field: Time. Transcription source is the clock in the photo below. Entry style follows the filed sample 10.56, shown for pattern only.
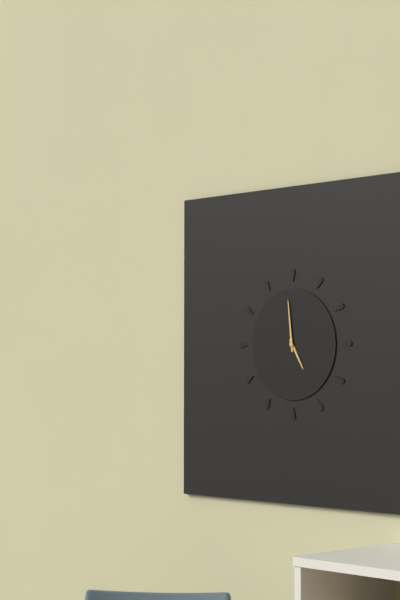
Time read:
4.59
